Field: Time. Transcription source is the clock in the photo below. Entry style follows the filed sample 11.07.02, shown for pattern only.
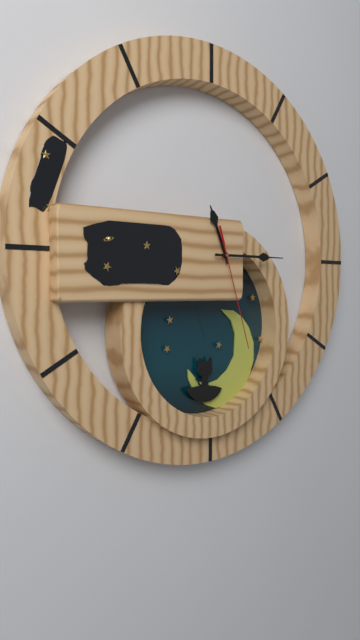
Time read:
11.15.27
